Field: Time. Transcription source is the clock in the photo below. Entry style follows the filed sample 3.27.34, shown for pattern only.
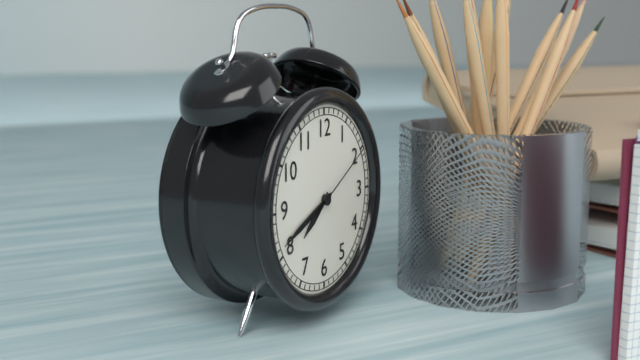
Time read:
7.41.10
